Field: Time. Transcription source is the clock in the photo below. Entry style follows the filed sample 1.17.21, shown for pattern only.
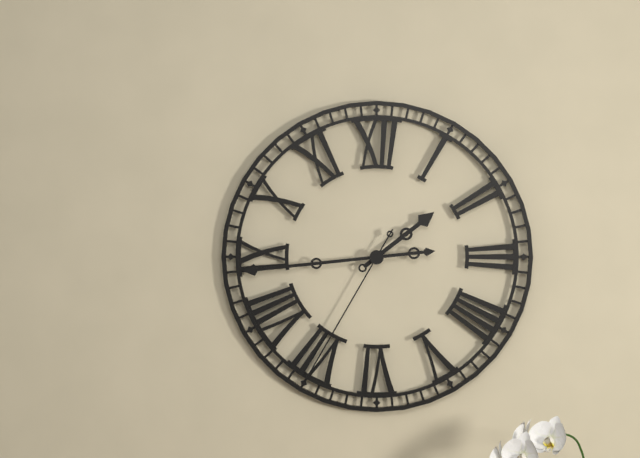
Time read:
1.44.35
